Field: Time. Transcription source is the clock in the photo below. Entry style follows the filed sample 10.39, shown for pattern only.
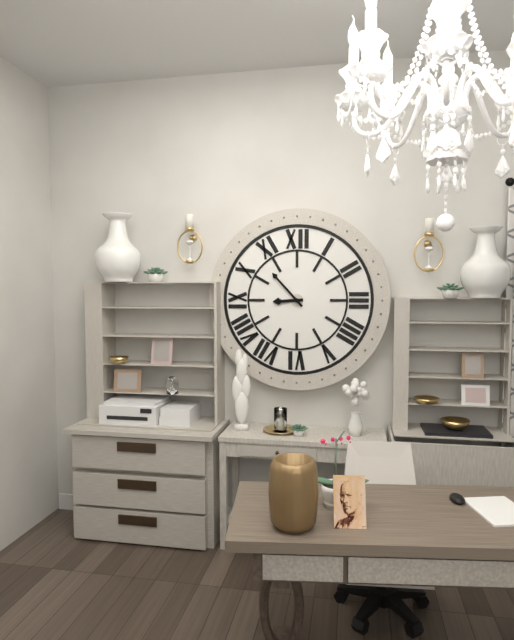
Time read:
8.53
